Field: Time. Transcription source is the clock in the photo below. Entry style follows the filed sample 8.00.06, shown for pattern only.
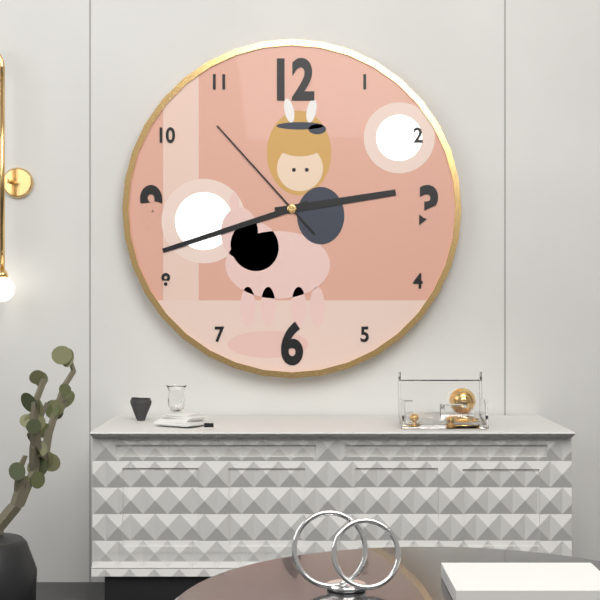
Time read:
2.42.53
